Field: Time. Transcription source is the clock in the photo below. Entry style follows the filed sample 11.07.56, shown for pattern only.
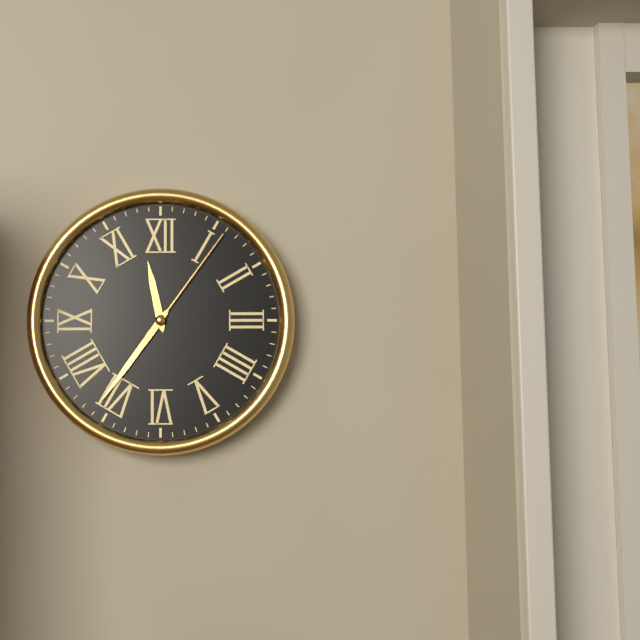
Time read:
11.36.06
